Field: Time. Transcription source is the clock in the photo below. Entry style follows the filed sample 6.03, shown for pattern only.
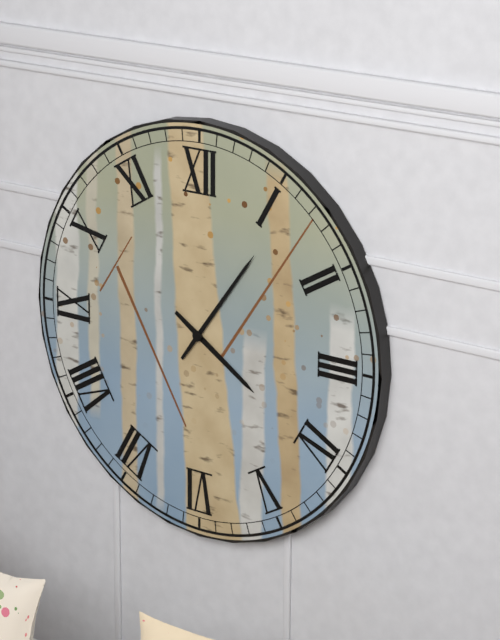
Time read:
4.06
